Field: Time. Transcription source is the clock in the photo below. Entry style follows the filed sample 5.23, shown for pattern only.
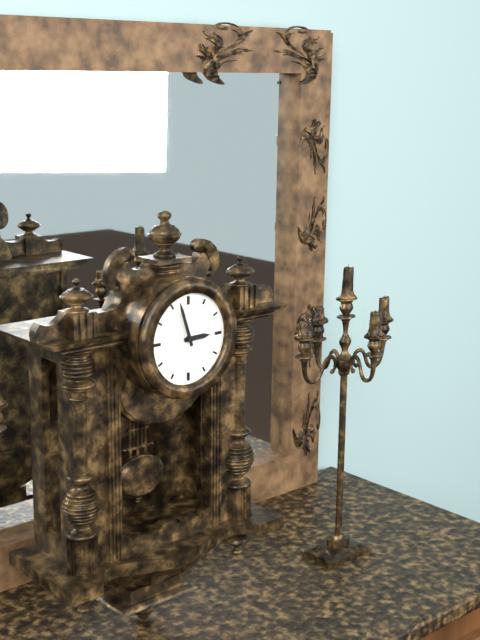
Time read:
2.57
